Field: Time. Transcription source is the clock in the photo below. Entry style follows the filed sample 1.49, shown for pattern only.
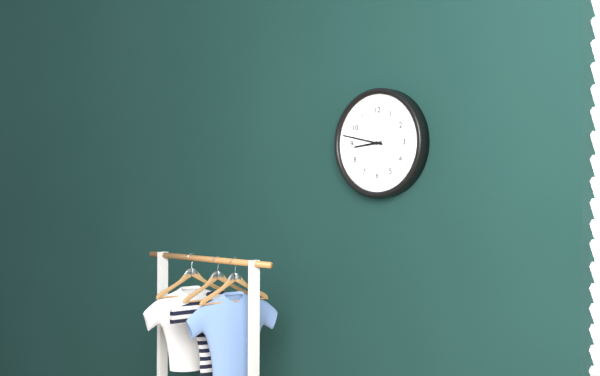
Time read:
8.47
